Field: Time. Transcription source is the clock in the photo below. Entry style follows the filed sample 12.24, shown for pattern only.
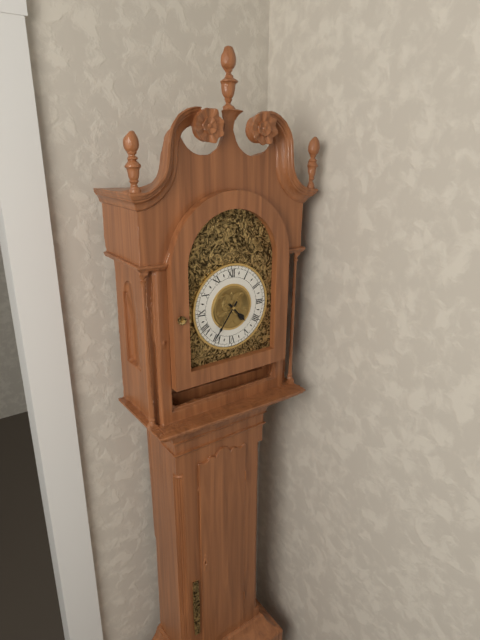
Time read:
4.36
